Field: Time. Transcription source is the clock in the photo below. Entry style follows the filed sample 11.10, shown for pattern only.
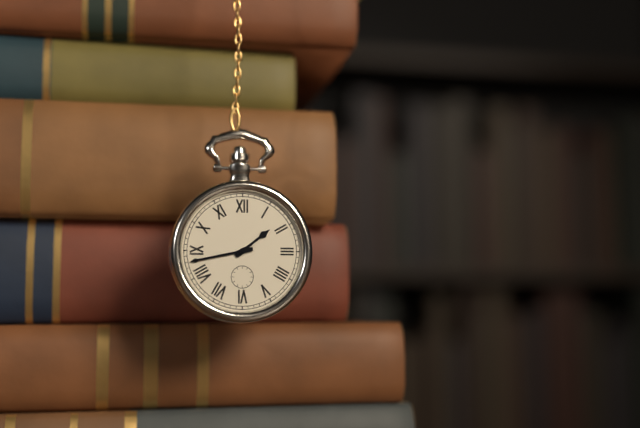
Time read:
1.43
